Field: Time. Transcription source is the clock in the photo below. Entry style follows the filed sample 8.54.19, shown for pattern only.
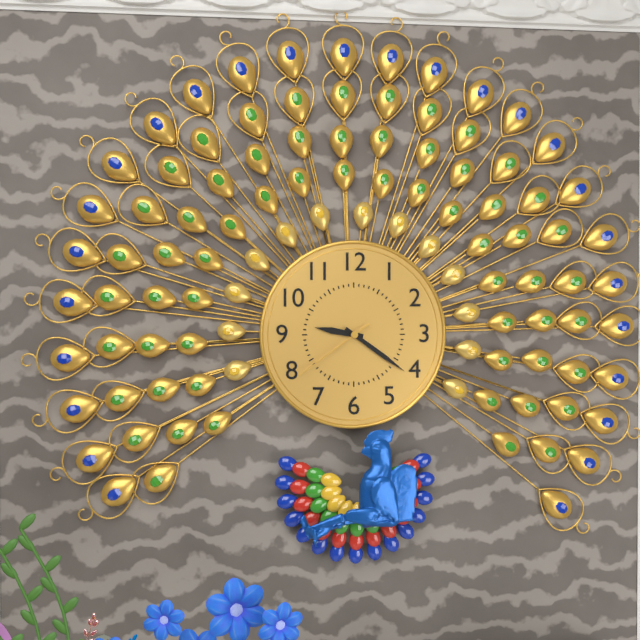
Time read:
9.21.39
